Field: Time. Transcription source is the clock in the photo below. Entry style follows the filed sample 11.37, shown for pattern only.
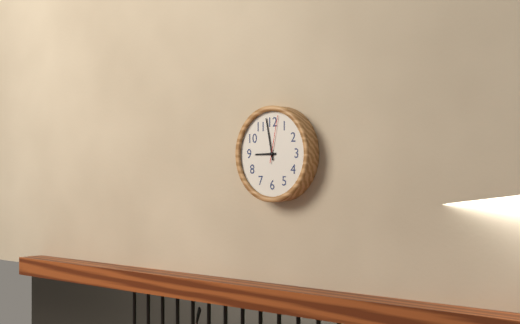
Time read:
8.58
